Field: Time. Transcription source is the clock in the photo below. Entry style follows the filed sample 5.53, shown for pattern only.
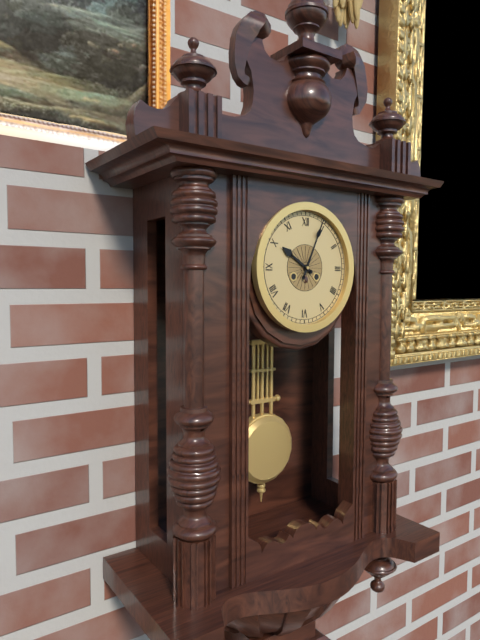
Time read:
10.04
